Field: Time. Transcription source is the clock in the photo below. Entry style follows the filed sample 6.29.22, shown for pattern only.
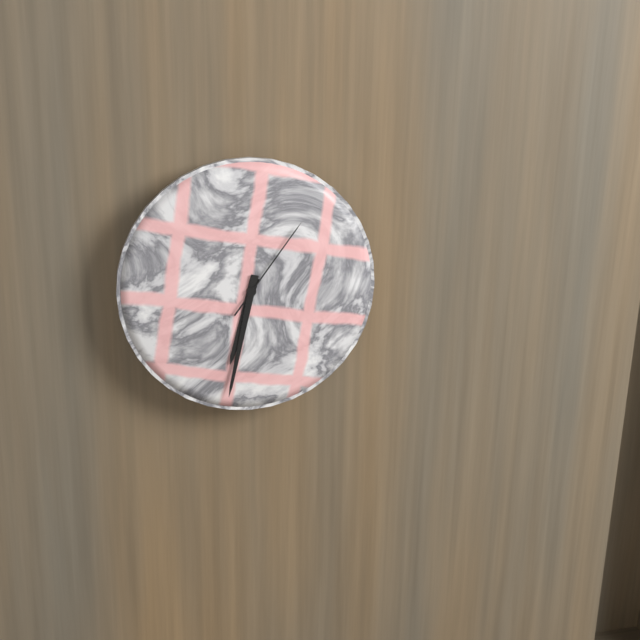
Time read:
6.32.06
